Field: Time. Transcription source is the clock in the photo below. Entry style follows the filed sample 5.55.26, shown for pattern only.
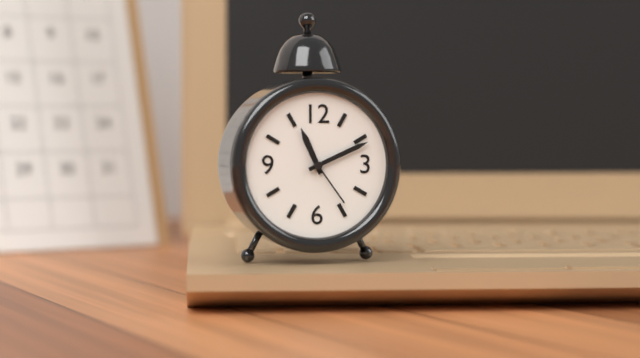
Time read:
11.11.24
